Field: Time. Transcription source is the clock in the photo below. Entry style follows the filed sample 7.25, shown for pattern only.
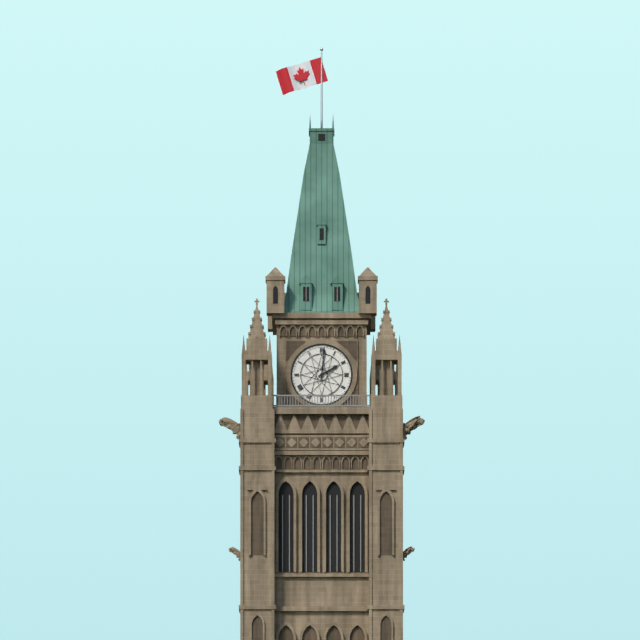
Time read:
2.01
